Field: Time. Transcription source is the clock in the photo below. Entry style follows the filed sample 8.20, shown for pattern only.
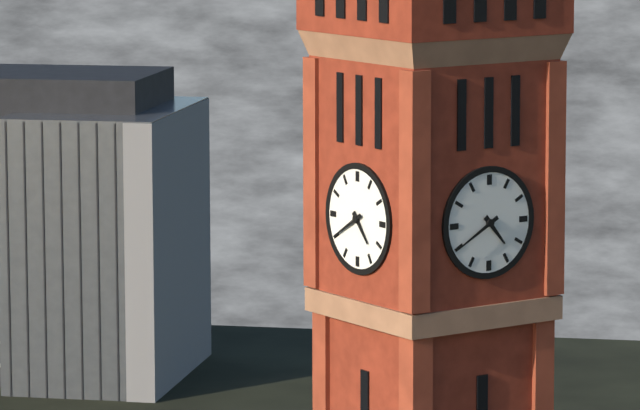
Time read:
4.40
